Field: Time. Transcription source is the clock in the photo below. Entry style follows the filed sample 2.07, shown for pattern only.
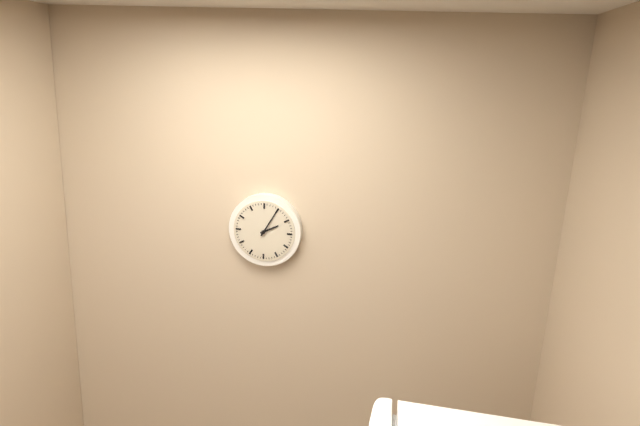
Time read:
2.05
